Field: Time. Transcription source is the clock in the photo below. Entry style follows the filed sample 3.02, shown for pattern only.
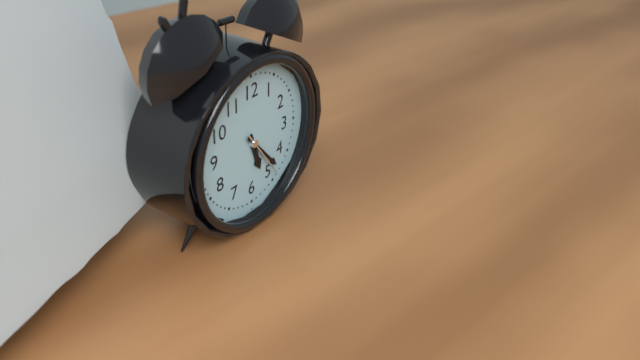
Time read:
5.23
